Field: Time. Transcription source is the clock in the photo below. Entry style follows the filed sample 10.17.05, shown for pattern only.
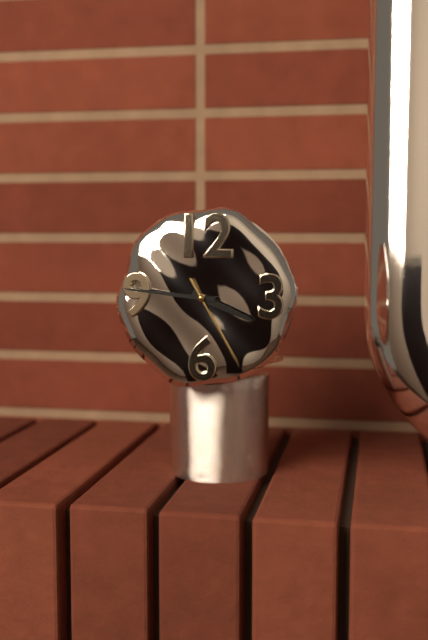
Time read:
3.46.25
